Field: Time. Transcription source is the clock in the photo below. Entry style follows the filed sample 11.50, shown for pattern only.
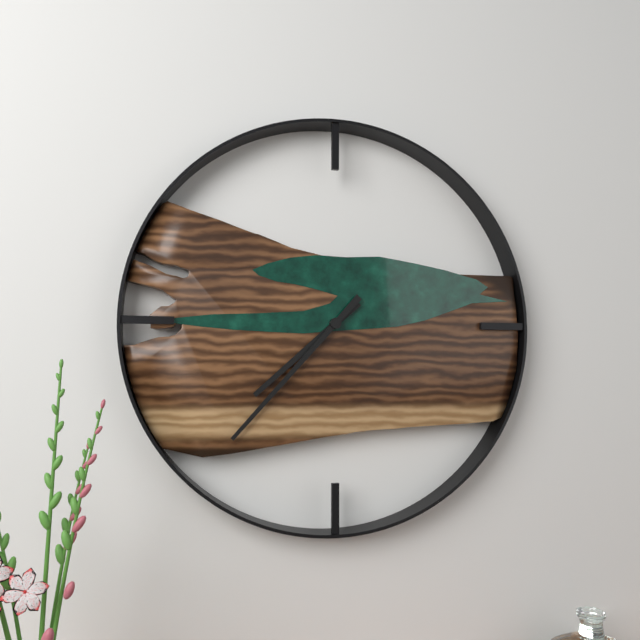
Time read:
7.37
